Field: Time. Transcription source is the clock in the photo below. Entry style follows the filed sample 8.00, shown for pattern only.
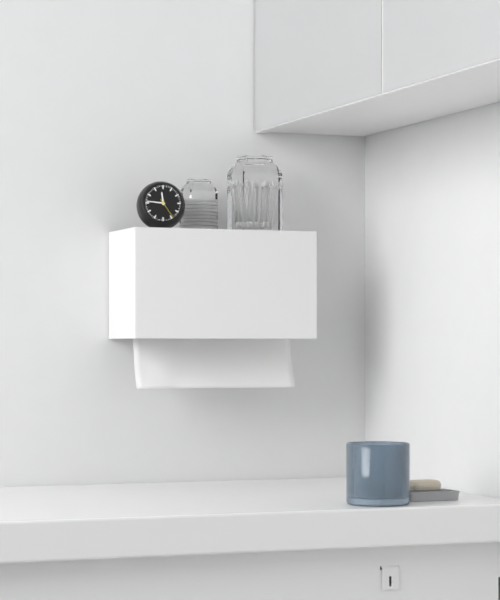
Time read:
11.46
